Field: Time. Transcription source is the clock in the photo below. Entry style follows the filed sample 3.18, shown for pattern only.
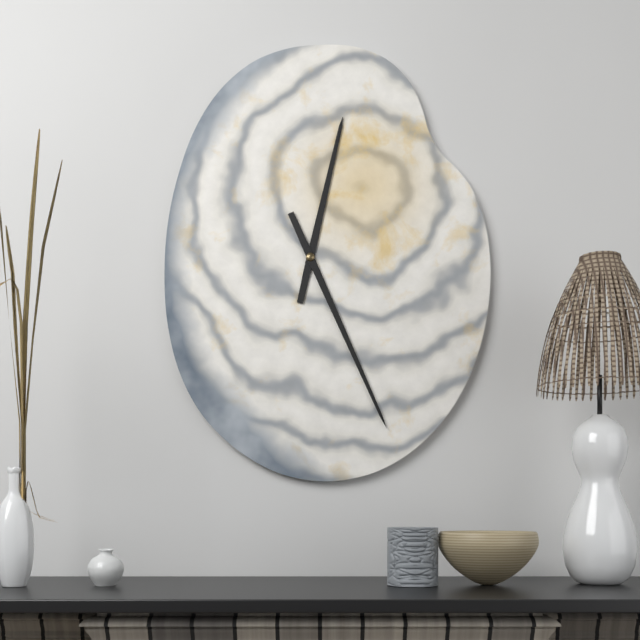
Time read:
12.26
